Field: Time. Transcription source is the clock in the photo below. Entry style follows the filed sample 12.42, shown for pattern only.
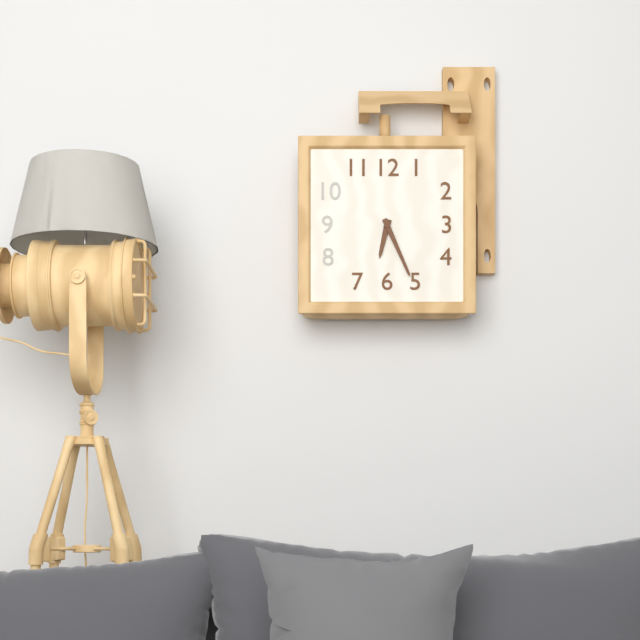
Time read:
6.26
